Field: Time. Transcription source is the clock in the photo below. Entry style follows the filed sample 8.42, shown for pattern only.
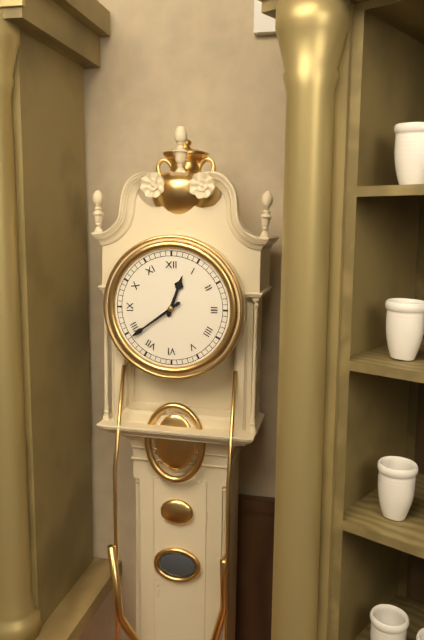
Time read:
12.39
